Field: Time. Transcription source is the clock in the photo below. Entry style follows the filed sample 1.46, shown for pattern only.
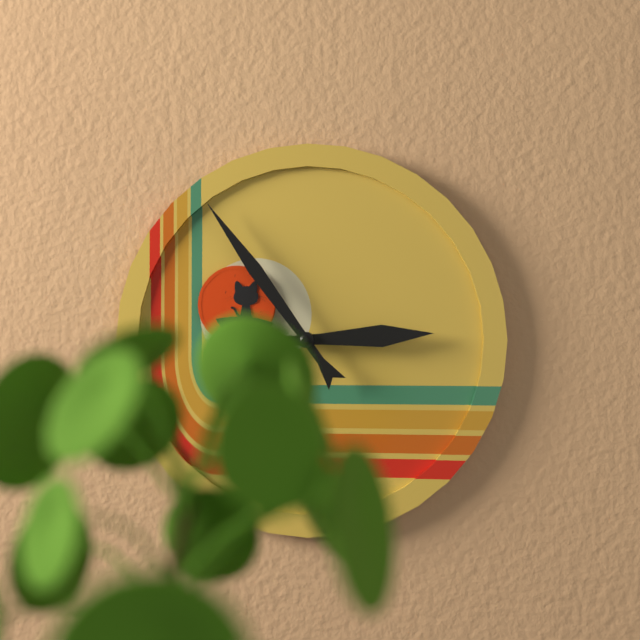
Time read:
2.54
